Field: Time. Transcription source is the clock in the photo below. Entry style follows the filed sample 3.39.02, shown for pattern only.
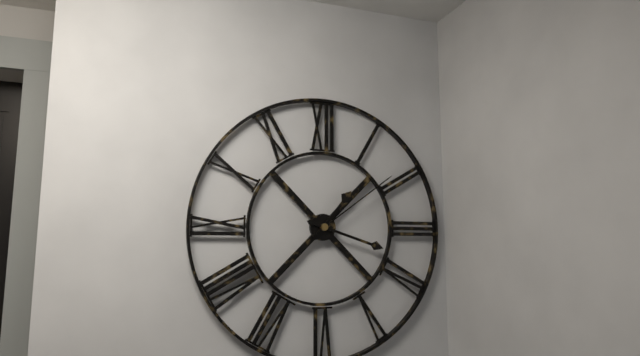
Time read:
1.18.09
